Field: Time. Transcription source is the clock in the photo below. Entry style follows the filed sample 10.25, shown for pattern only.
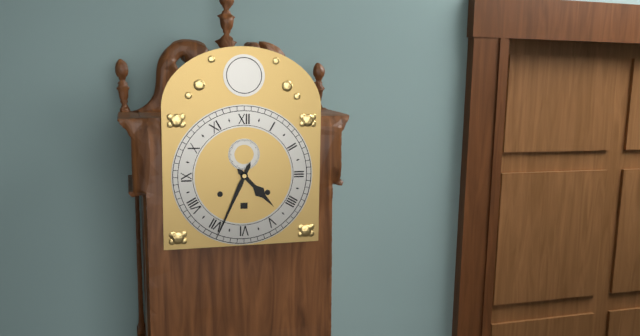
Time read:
4.34
